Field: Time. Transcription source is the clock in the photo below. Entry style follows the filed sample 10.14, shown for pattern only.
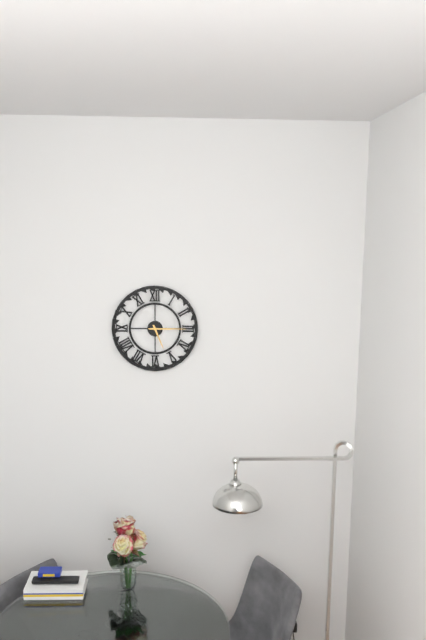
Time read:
5.15
